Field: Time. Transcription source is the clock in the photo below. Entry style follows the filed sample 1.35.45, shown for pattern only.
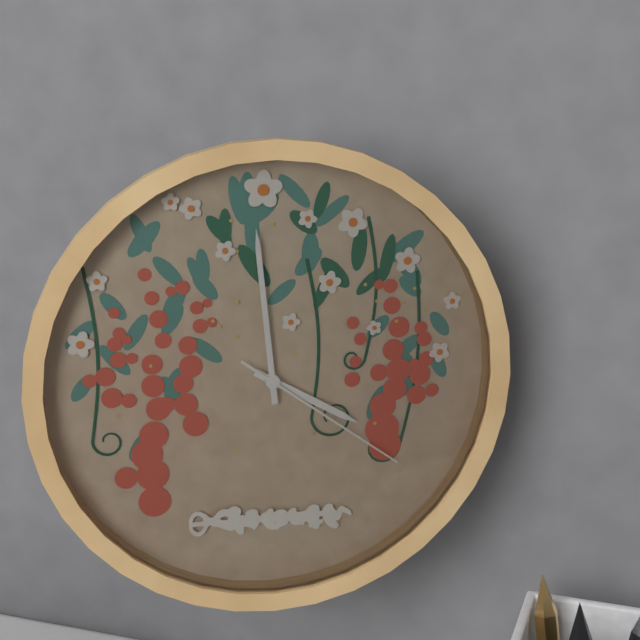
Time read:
3.59.21
